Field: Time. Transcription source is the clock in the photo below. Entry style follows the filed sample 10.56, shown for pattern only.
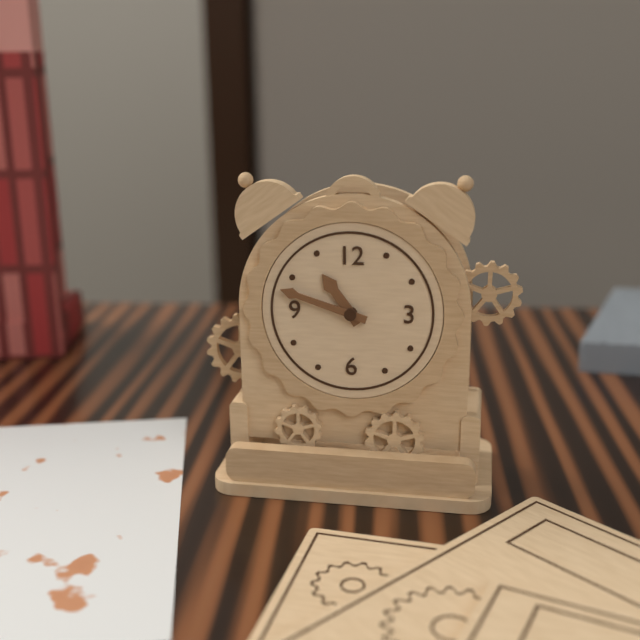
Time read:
10.48
